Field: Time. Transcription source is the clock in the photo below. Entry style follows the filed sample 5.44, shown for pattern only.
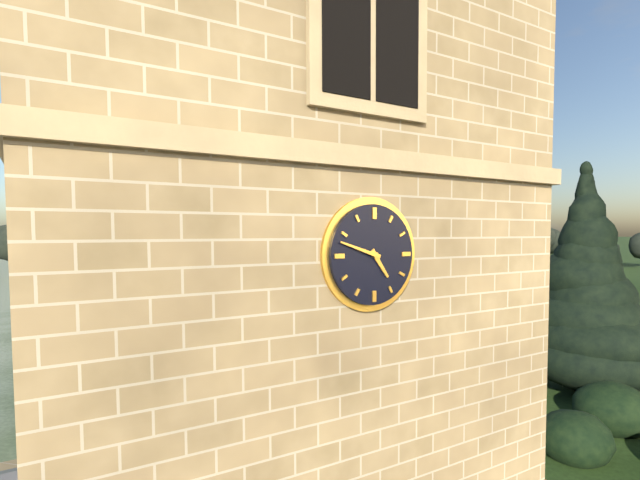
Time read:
4.48
